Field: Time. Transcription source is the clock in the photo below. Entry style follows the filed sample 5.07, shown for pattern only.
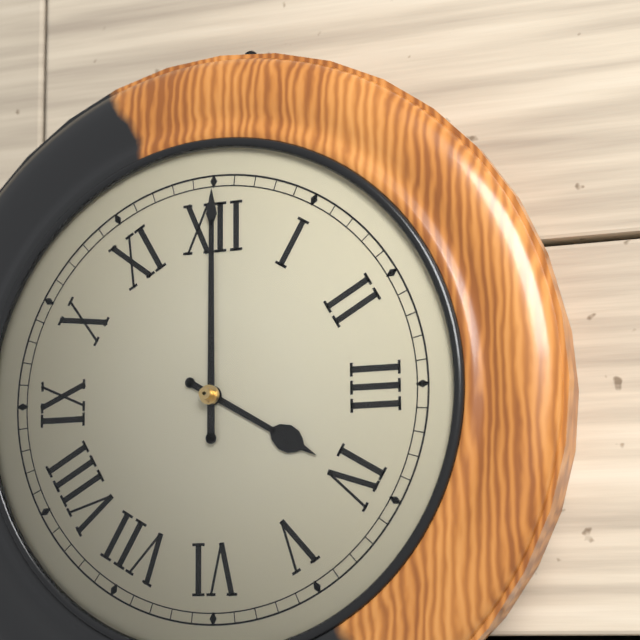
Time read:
4.00
